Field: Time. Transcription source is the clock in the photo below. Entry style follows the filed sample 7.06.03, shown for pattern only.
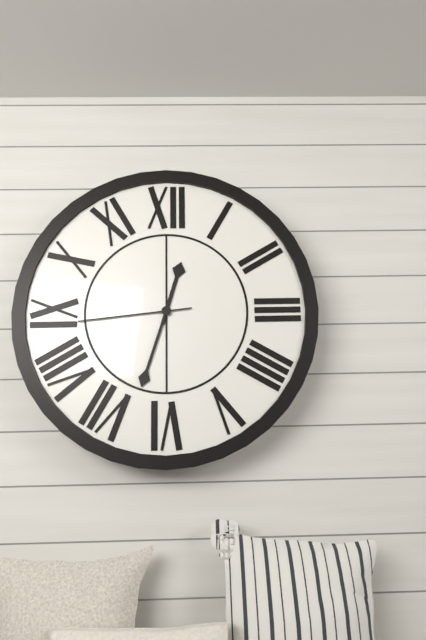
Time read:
12.33.44
